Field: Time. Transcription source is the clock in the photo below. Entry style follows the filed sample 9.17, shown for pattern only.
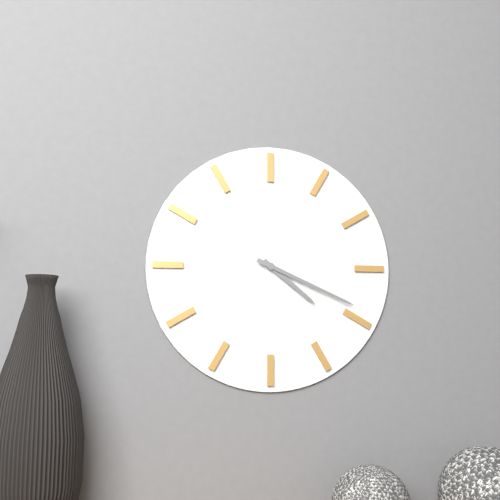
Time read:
4.19
